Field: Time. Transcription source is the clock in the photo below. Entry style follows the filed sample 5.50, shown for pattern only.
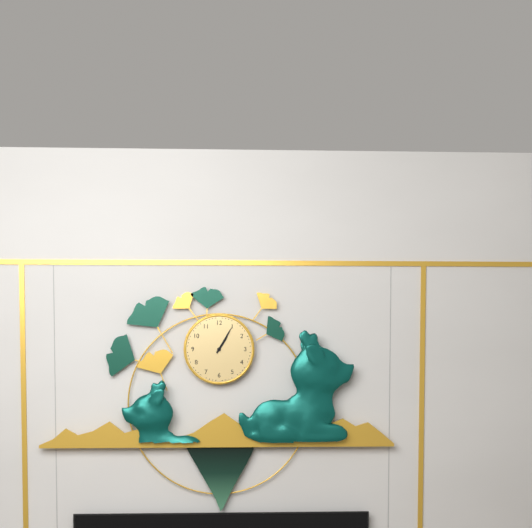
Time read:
1.05
